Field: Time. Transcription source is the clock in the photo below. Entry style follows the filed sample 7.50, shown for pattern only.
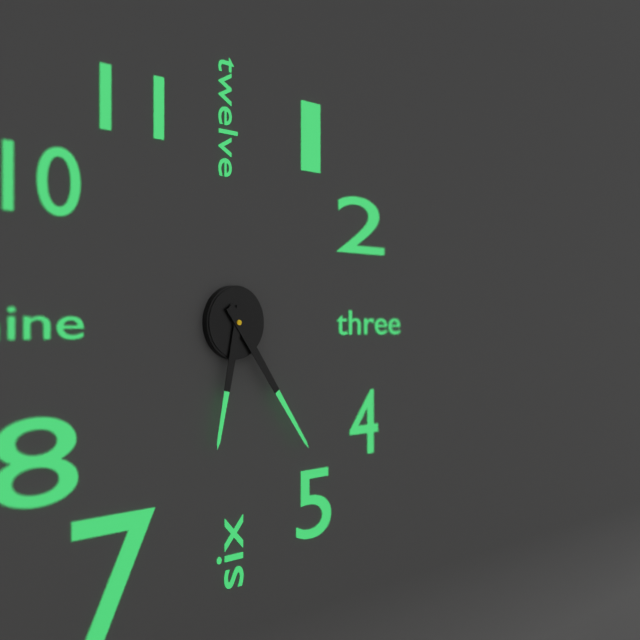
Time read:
6.24
